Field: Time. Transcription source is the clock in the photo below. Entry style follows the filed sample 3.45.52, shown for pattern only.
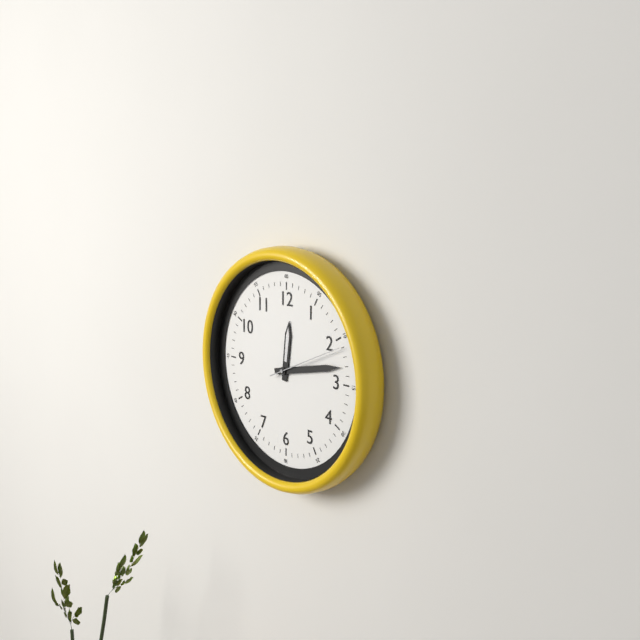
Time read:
12.13.11
